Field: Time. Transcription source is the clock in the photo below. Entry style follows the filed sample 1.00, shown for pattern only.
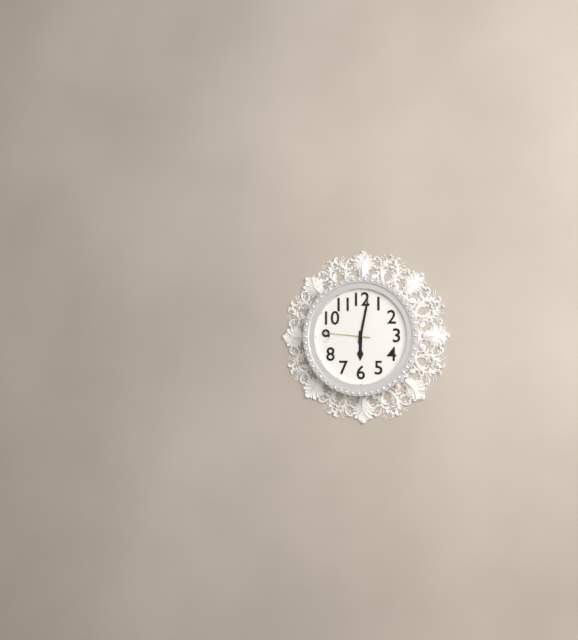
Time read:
6.02
